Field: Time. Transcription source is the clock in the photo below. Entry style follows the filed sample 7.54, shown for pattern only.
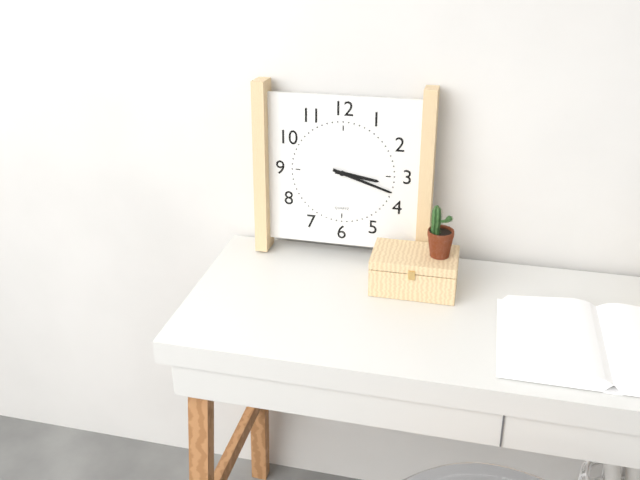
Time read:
3.18
